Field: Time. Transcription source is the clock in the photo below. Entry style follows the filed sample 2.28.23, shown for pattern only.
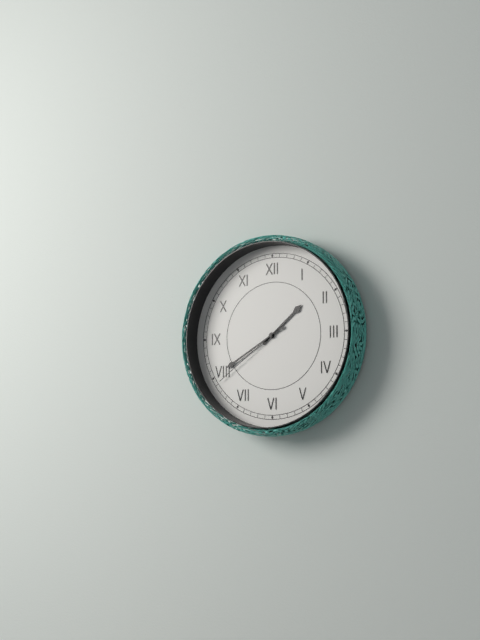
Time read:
1.40.39
